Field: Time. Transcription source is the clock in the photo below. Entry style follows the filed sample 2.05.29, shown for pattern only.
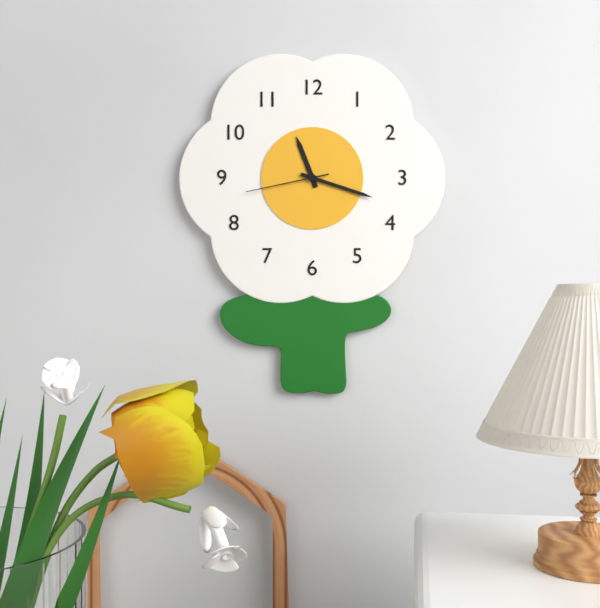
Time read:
11.18.43
